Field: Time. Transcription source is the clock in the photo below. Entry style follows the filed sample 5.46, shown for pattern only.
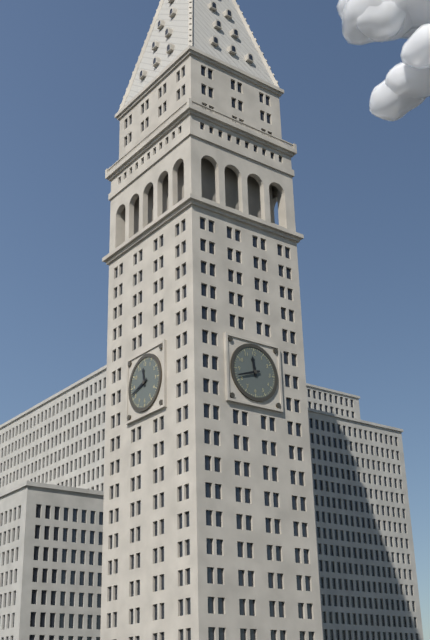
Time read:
11.42
